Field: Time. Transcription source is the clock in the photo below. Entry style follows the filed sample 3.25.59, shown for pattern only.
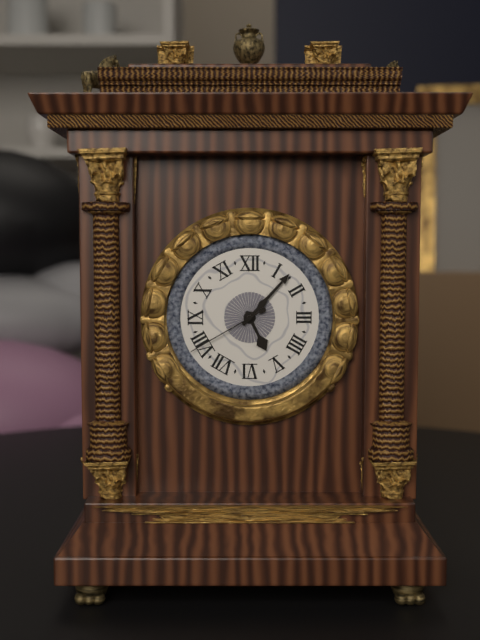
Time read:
5.07.40
